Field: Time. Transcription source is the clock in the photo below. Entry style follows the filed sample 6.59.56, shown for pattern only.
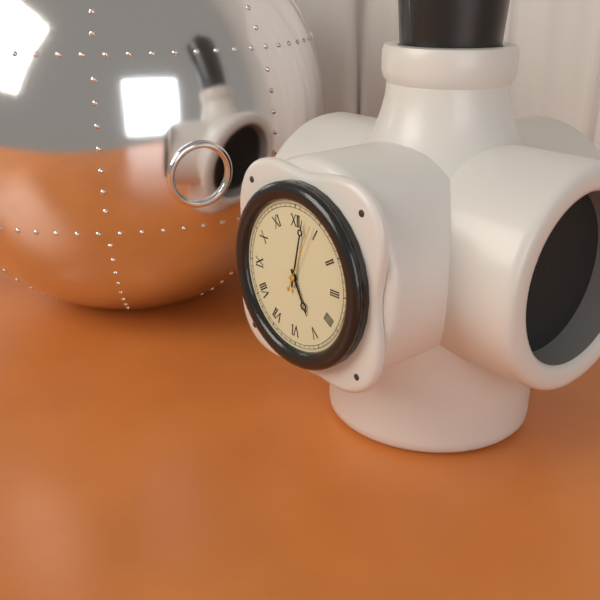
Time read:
5.02.04
